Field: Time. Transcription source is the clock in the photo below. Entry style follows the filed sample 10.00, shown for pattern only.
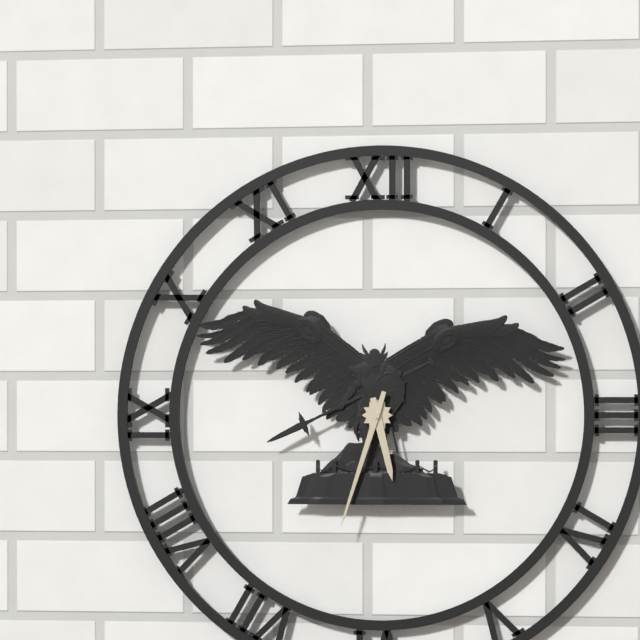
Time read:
5.33
